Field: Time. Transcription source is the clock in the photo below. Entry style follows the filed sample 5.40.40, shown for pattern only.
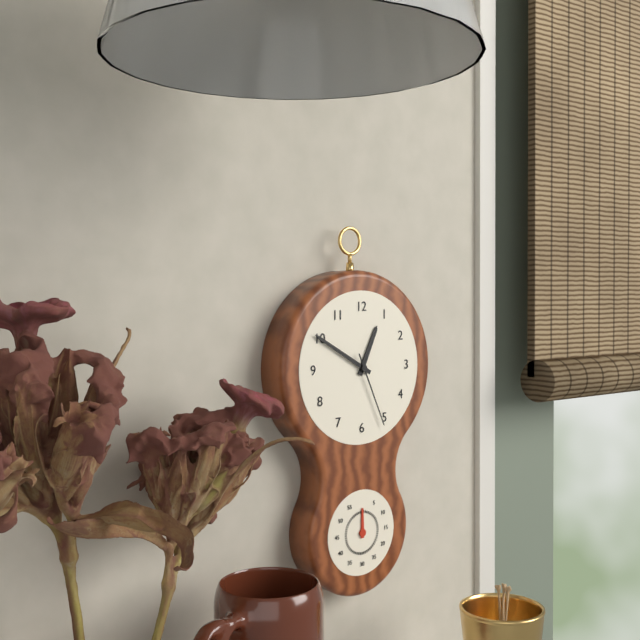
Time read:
12.50.26
